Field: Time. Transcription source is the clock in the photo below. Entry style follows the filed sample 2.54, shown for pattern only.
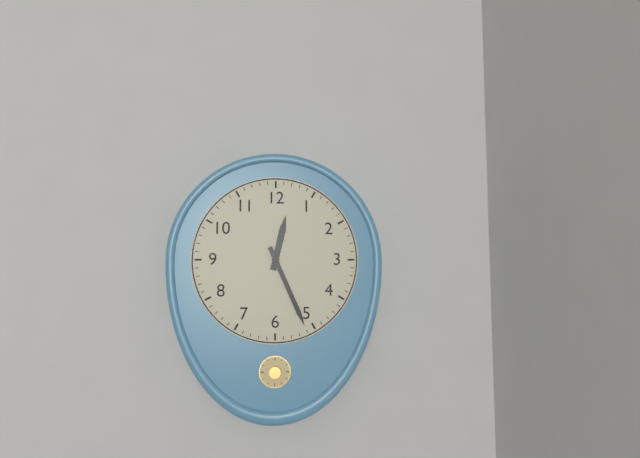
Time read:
12.26
